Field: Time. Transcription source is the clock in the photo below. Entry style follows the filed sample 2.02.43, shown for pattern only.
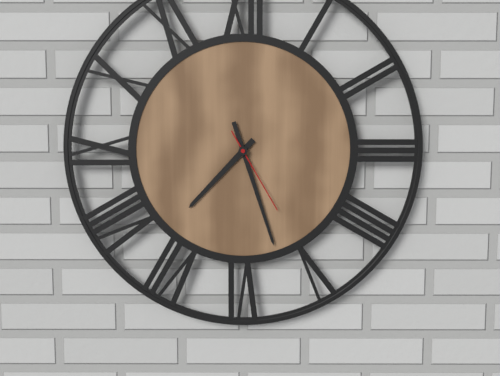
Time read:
7.27.25
